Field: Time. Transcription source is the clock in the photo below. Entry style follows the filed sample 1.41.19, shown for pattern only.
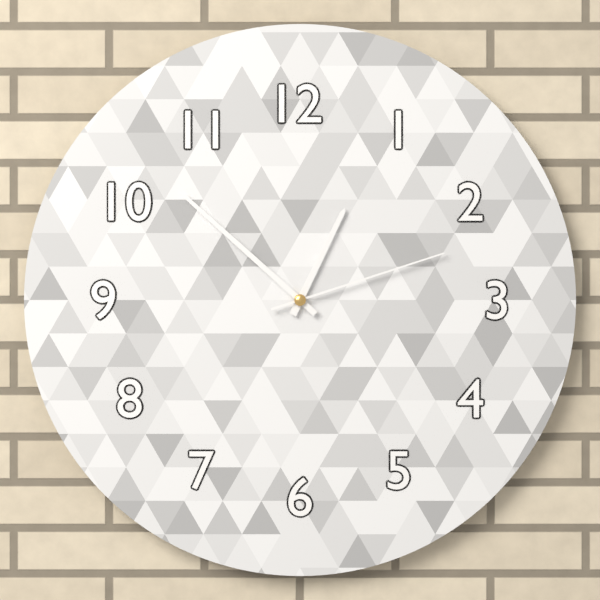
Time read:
12.52.12
